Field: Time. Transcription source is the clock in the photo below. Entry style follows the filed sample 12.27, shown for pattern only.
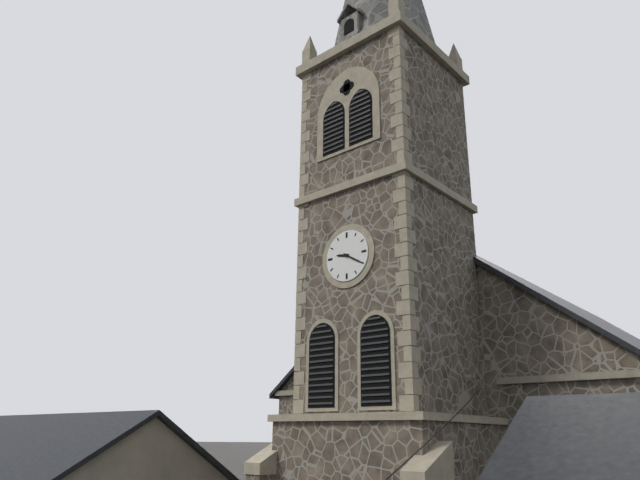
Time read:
9.20
